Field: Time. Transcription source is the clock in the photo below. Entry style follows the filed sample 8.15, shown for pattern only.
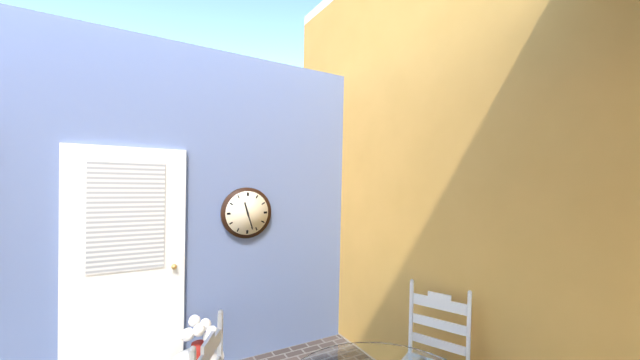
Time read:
11.27
